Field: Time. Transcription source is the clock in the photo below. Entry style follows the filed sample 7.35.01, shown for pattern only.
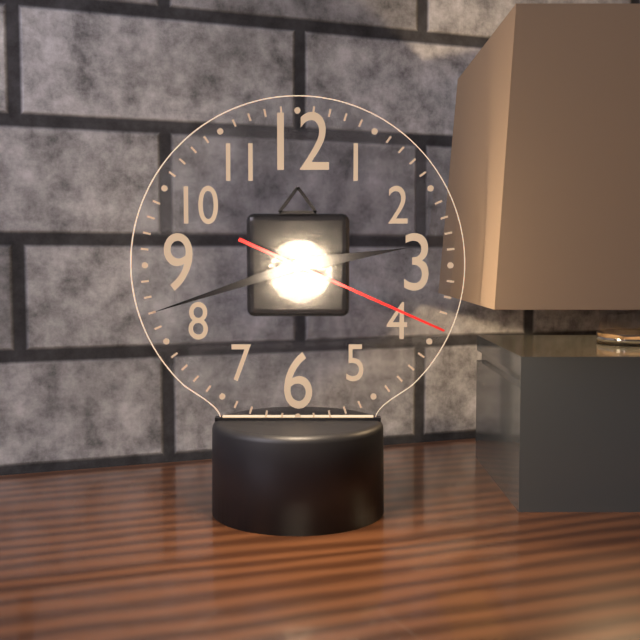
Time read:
2.42.19
